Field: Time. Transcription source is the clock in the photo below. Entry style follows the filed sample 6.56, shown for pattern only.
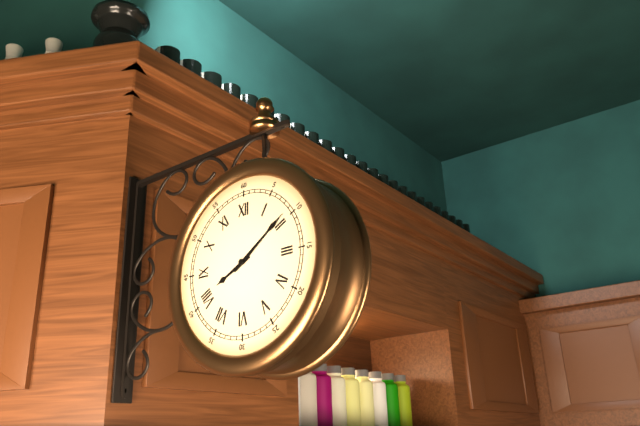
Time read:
8.09
